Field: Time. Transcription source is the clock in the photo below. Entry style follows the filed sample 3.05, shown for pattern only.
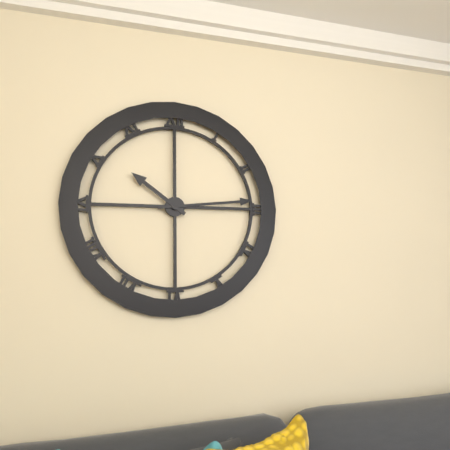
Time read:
10.14
